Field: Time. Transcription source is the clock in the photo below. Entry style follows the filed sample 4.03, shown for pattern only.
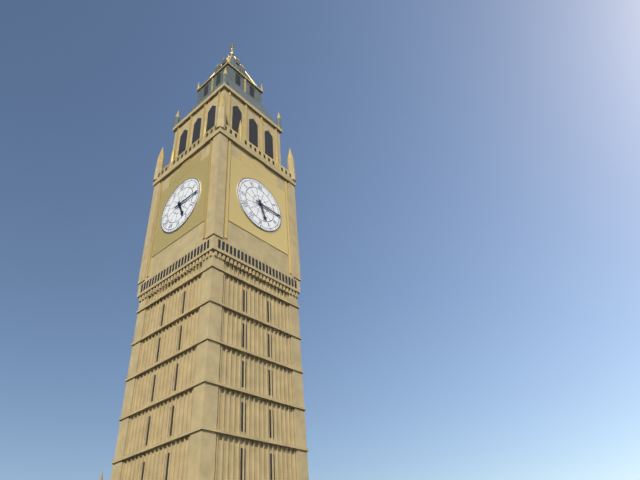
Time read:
5.15
